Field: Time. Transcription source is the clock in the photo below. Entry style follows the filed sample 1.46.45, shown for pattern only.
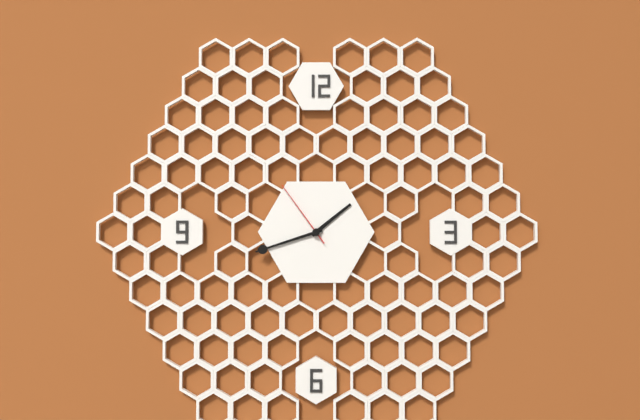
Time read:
1.42.54
